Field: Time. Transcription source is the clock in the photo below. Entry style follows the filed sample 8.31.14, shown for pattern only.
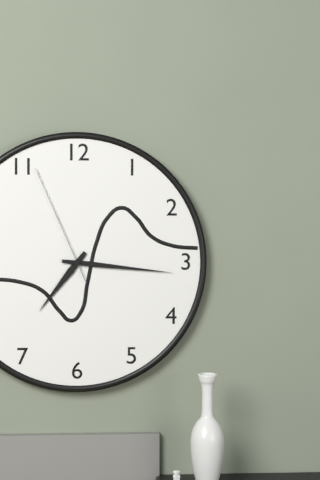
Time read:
7.16.56
